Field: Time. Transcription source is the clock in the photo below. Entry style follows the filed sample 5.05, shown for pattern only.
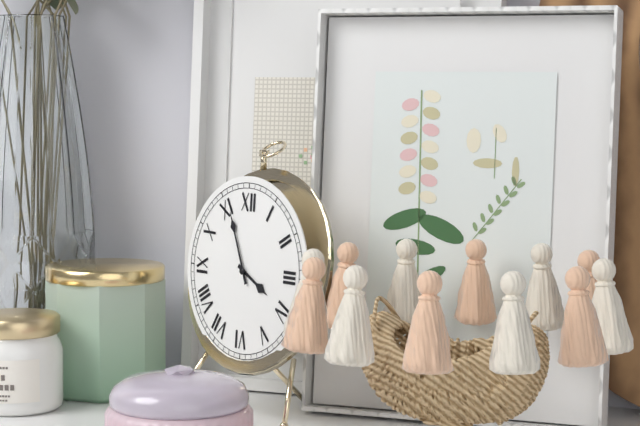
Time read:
3.56
